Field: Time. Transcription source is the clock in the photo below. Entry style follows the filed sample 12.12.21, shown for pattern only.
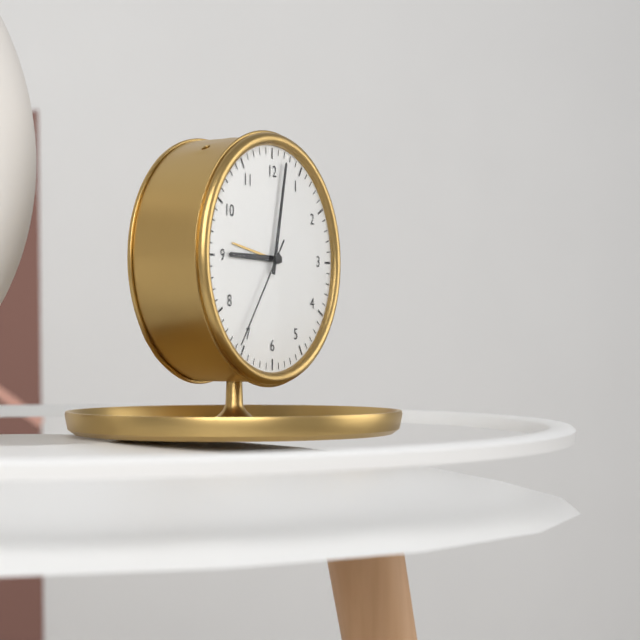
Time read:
9.02.36
